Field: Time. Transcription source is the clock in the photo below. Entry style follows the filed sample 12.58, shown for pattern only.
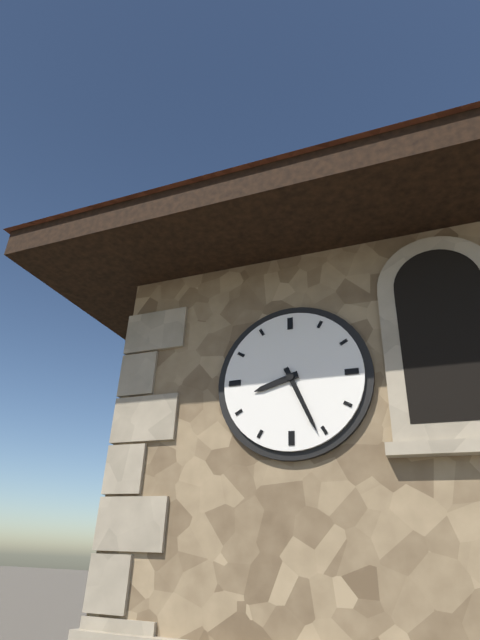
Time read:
8.26
